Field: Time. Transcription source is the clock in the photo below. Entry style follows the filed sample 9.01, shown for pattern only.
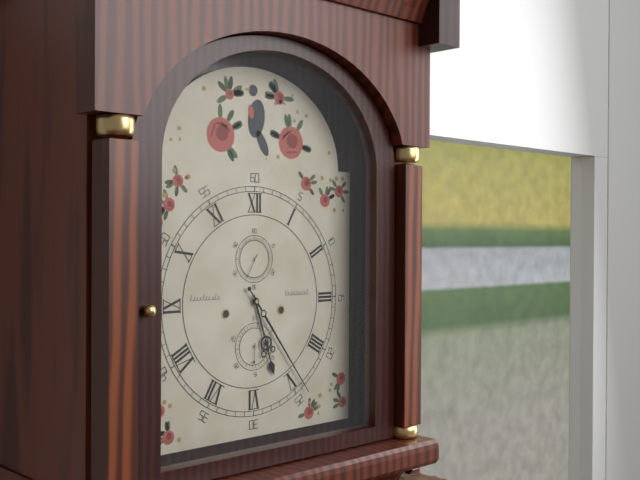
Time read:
5.24
